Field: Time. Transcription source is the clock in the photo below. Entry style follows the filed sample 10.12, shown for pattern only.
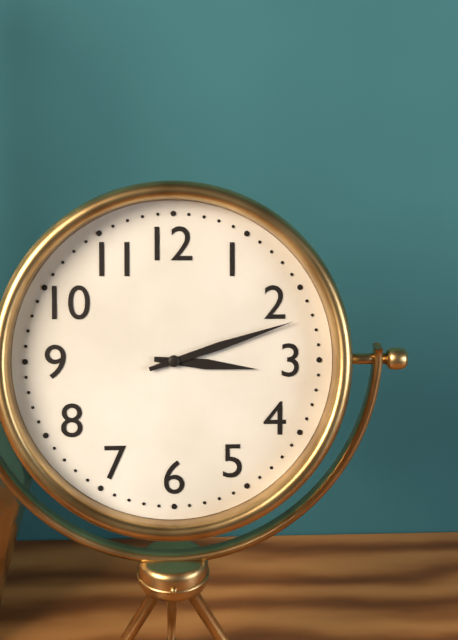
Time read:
3.12
